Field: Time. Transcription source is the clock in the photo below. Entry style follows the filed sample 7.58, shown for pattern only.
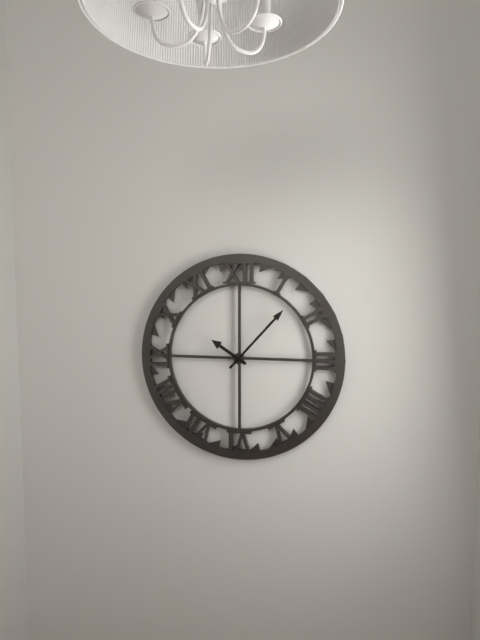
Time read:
10.07
